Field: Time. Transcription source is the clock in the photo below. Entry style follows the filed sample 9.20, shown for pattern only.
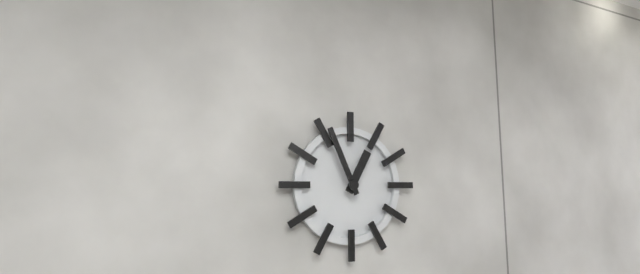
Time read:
12.56
